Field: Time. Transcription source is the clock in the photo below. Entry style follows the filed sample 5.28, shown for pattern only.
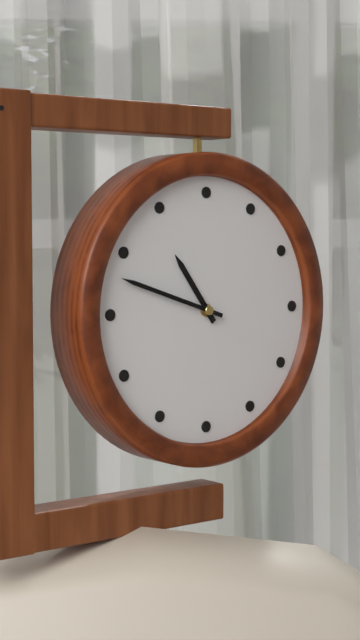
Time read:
10.48
